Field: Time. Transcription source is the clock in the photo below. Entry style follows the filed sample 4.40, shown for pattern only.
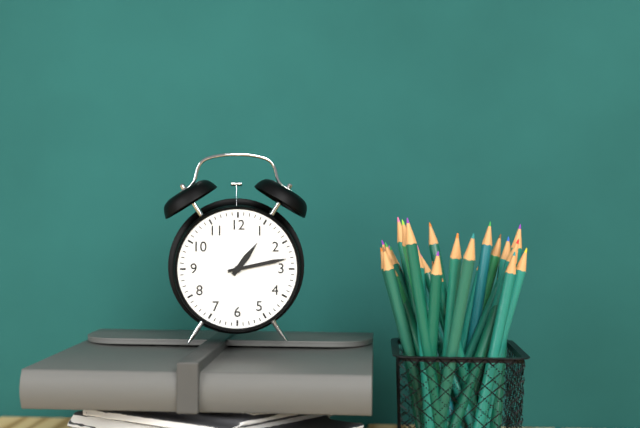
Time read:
1.13
